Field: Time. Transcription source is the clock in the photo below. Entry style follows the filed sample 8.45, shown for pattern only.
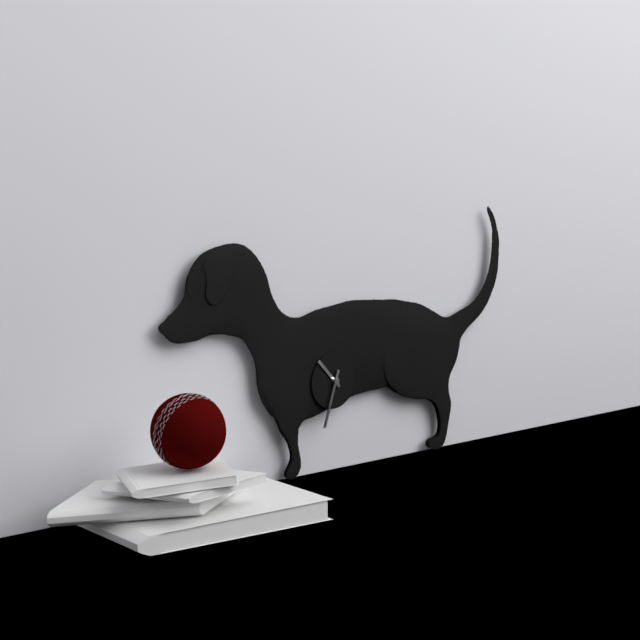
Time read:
10.33
